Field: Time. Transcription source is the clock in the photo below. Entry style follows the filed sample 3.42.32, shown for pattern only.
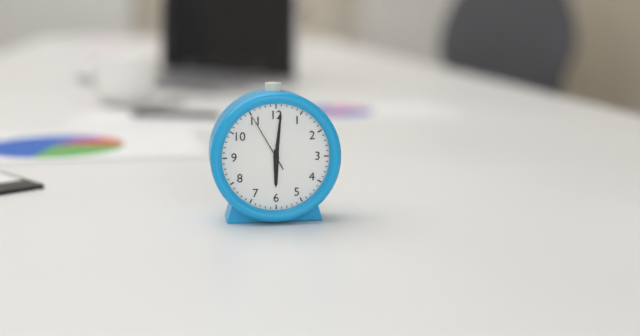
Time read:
6.01.55
